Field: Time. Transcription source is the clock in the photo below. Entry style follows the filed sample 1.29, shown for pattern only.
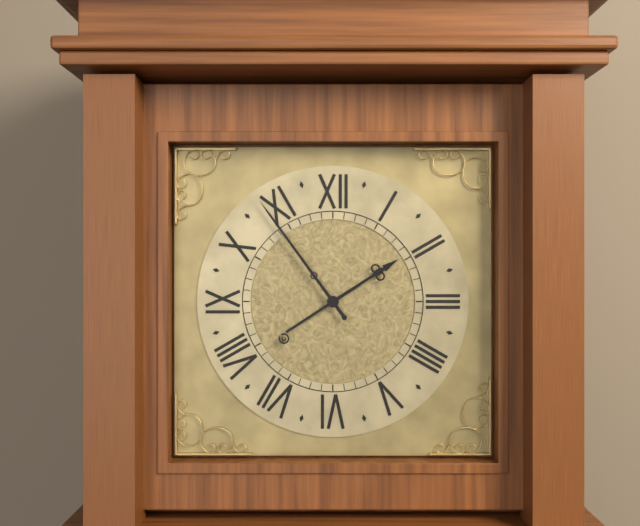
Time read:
1.54
